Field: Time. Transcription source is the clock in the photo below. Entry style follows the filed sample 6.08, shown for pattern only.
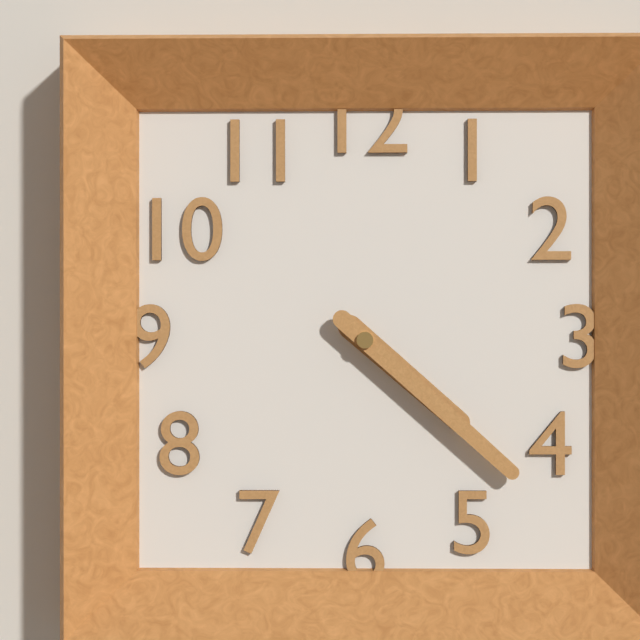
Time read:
4.22
